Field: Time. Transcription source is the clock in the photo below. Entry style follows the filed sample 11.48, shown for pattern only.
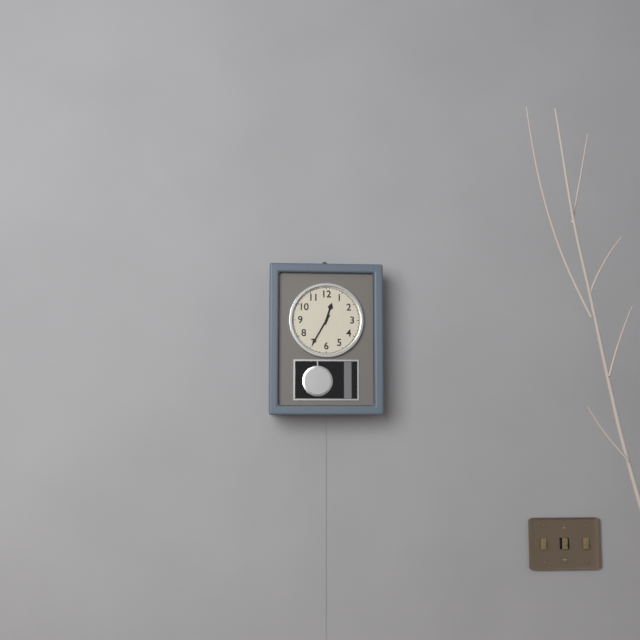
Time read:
12.35
